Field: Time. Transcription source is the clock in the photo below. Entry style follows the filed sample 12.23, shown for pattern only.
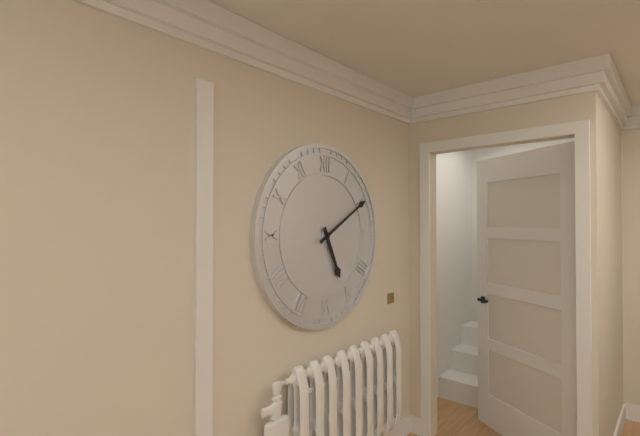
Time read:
5.10
